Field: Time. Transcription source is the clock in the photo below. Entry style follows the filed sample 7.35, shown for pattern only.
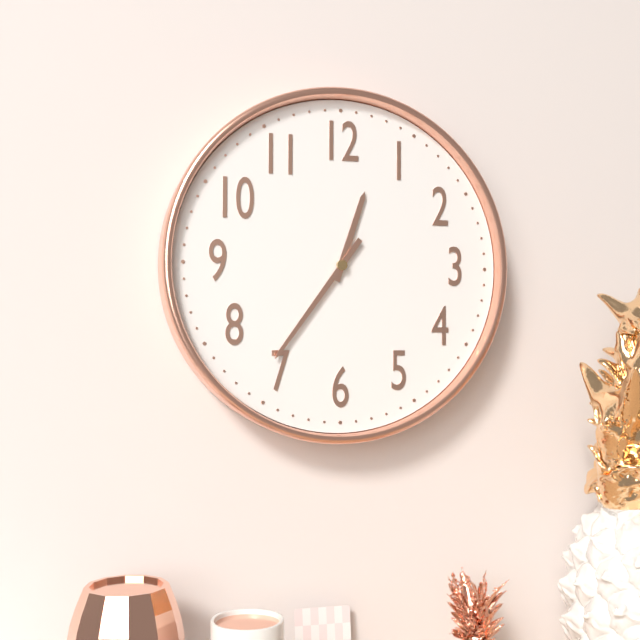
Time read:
12.36
